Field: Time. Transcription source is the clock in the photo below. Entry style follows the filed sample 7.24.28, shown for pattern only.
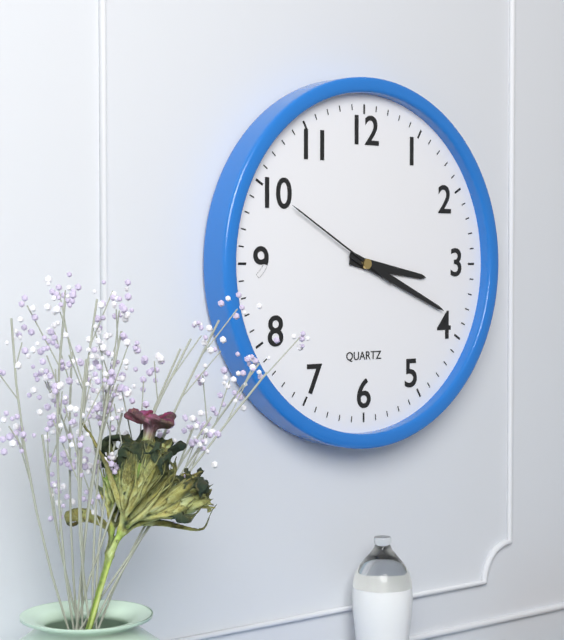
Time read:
3.19.50
